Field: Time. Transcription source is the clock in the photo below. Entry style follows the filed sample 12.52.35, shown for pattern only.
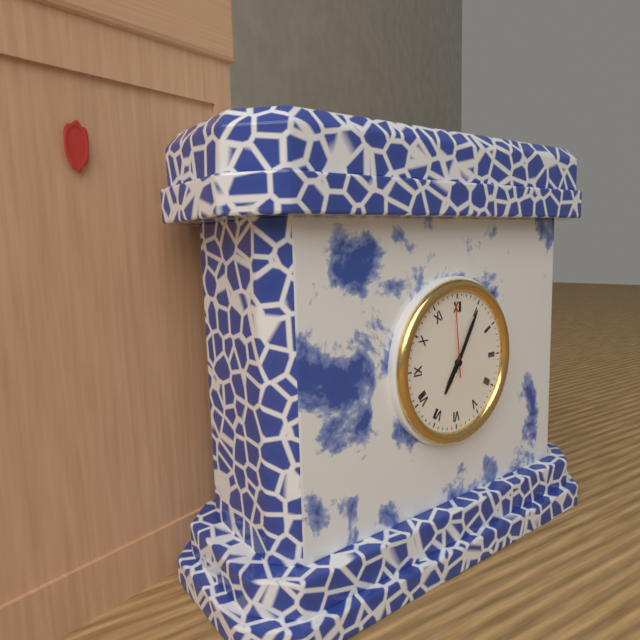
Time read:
7.05.59
